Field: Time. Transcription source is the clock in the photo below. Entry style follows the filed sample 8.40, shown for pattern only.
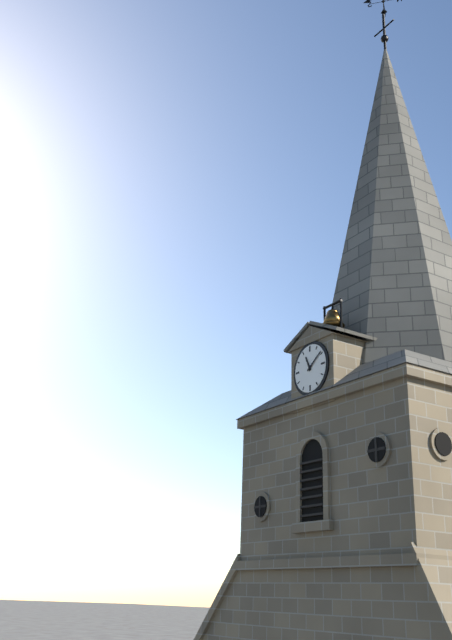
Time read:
11.09
